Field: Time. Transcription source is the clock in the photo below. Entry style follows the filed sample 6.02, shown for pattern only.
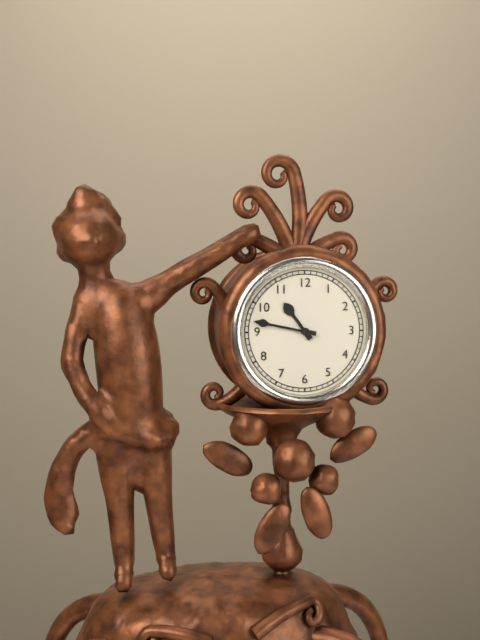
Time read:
10.47
